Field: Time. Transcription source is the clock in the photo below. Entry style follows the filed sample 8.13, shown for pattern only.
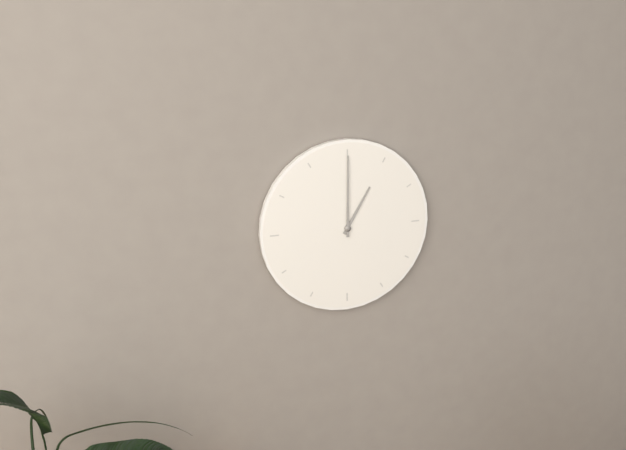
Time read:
1.00
